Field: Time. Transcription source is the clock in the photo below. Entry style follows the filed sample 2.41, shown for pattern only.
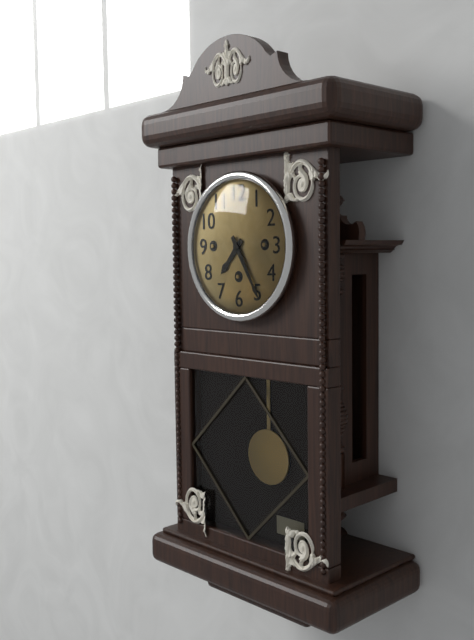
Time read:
7.25
